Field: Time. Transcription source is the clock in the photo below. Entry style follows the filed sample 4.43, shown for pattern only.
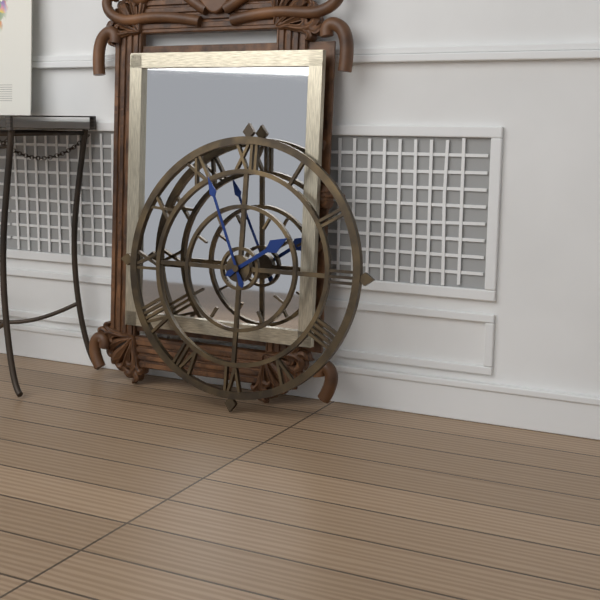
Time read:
1.56
